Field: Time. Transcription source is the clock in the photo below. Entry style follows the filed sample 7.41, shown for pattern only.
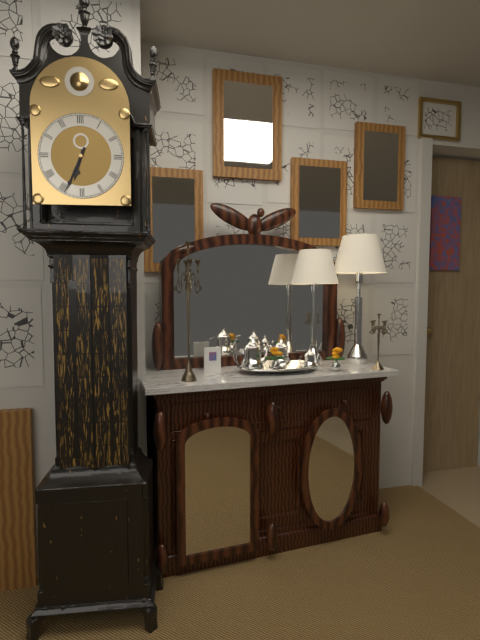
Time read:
6.34
